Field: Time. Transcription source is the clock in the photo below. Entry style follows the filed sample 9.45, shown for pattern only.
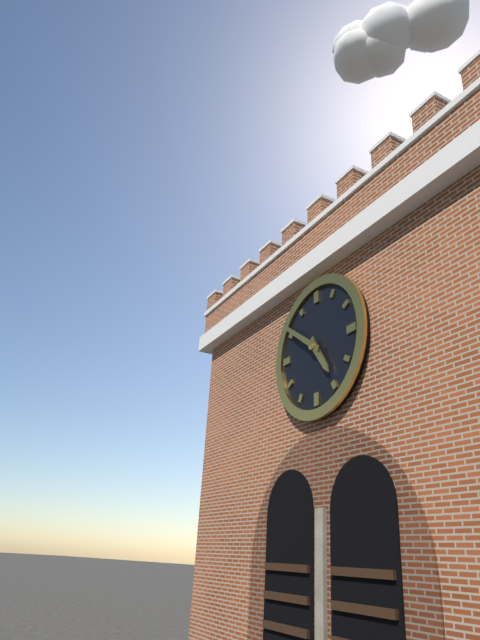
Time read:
4.51
